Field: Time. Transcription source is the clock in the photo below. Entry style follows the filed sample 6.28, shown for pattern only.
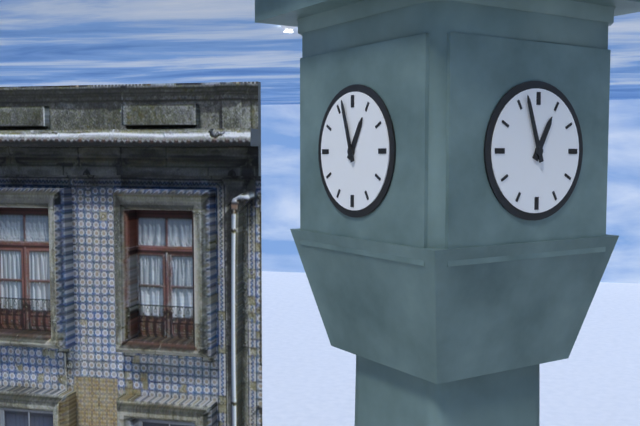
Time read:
12.57
